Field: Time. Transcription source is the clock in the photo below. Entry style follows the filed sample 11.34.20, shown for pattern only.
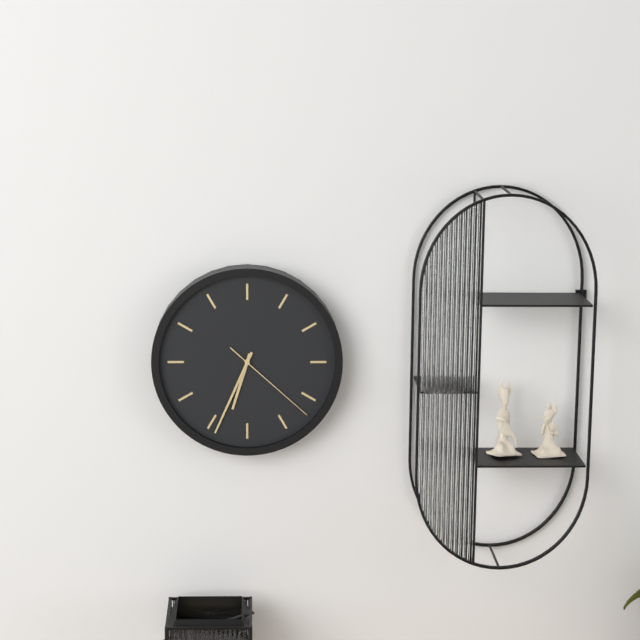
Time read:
6.34.22
